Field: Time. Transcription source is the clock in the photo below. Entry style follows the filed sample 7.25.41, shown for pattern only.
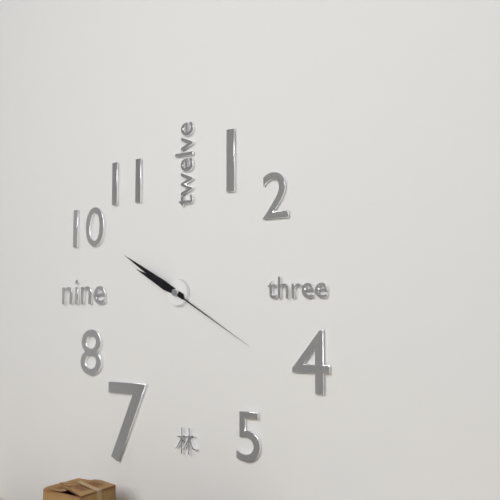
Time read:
9.50.20
